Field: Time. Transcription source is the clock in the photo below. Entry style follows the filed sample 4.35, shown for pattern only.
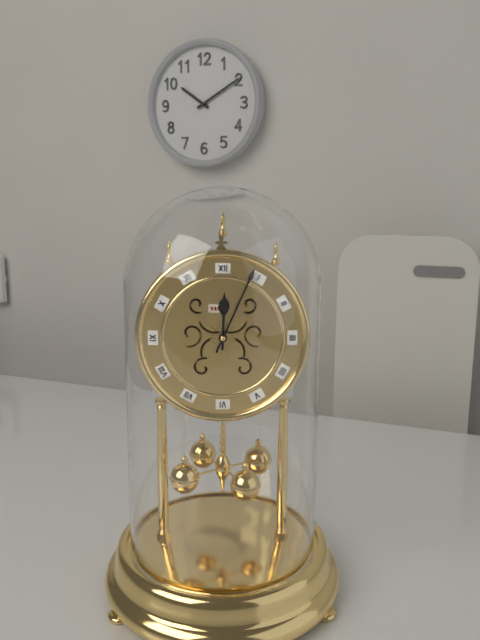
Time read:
12.04
